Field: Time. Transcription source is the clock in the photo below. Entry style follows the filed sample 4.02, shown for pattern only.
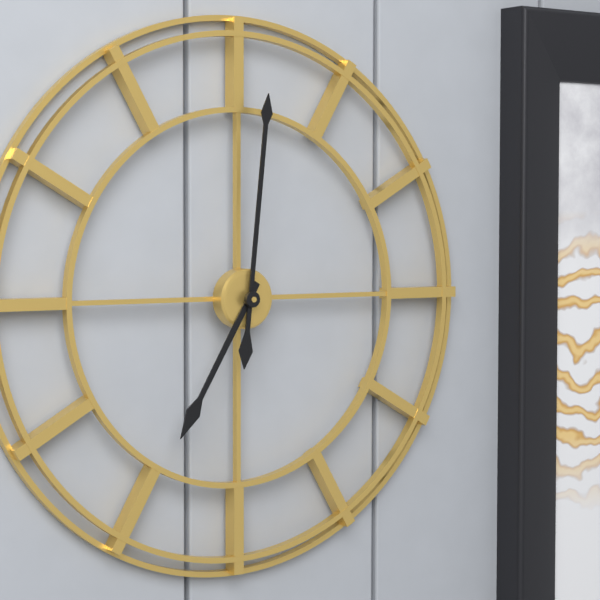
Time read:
7.01
